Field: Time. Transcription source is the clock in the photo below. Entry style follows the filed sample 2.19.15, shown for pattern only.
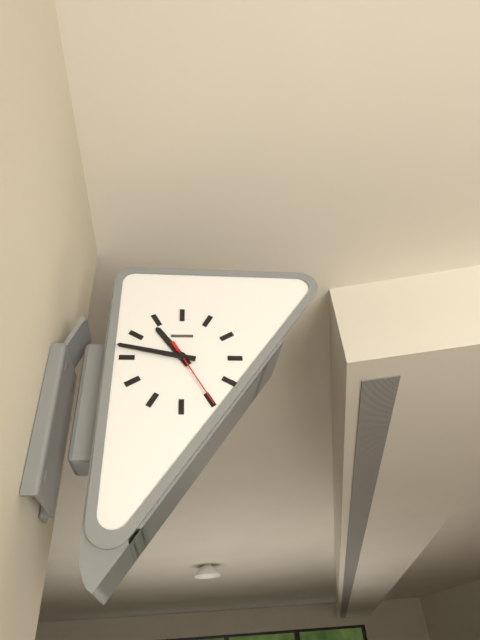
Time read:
10.47.25
